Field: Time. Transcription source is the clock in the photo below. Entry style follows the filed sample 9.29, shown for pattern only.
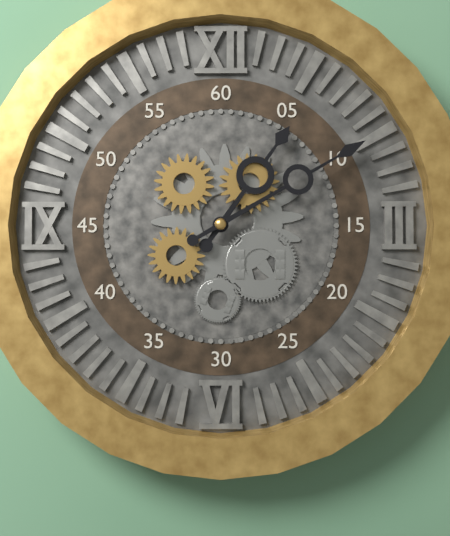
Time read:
1.10
